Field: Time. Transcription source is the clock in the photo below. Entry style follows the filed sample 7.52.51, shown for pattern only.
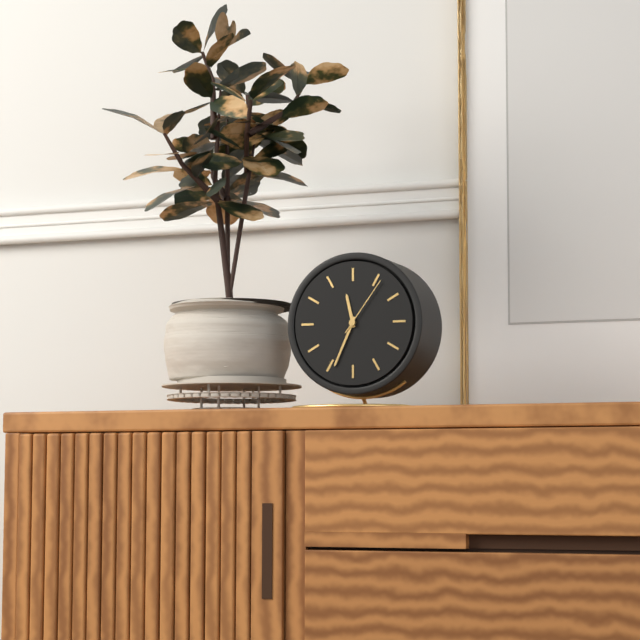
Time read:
11.34.06
